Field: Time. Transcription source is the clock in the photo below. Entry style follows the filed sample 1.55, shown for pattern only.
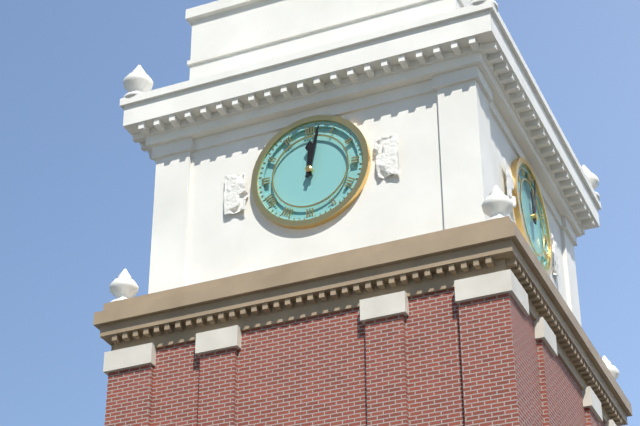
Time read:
12.02
